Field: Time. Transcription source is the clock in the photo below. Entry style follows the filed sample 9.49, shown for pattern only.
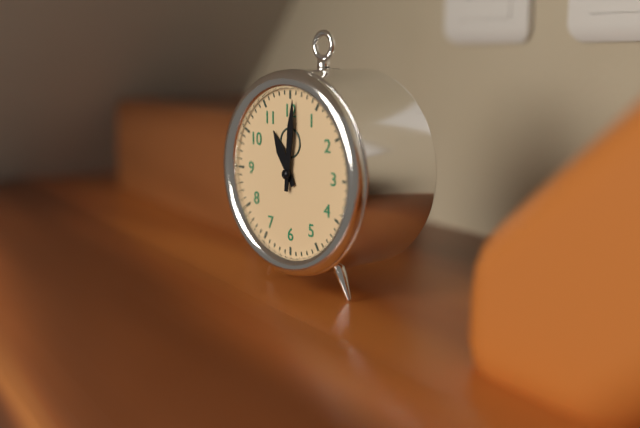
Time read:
11.01
